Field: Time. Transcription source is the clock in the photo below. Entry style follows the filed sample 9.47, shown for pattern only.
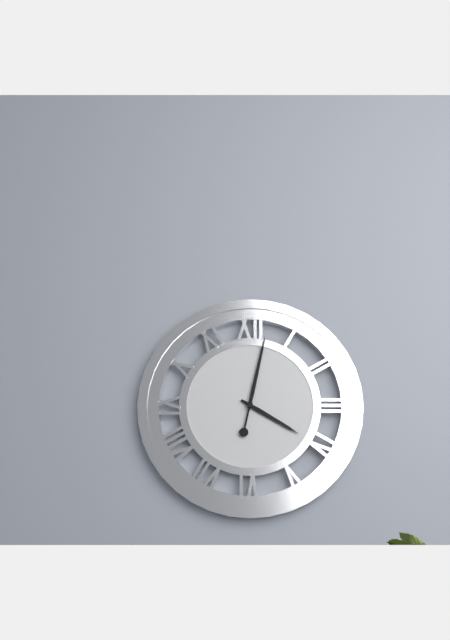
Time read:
4.02
